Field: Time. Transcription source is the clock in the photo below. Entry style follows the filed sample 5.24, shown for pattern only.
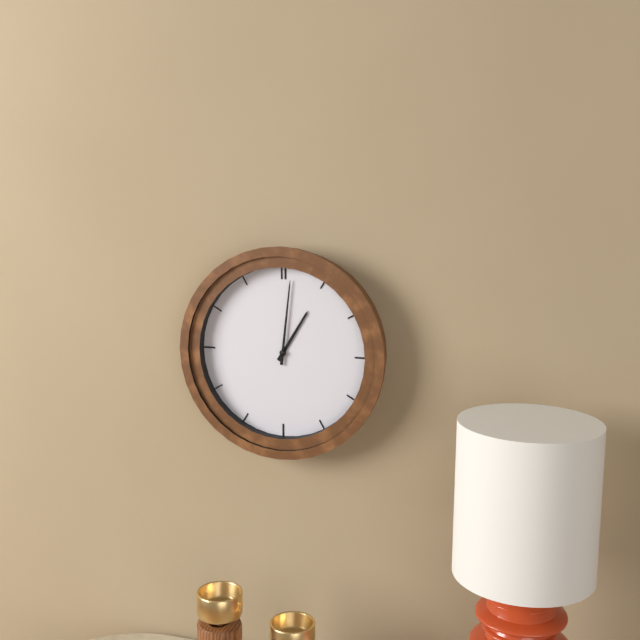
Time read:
1.01
